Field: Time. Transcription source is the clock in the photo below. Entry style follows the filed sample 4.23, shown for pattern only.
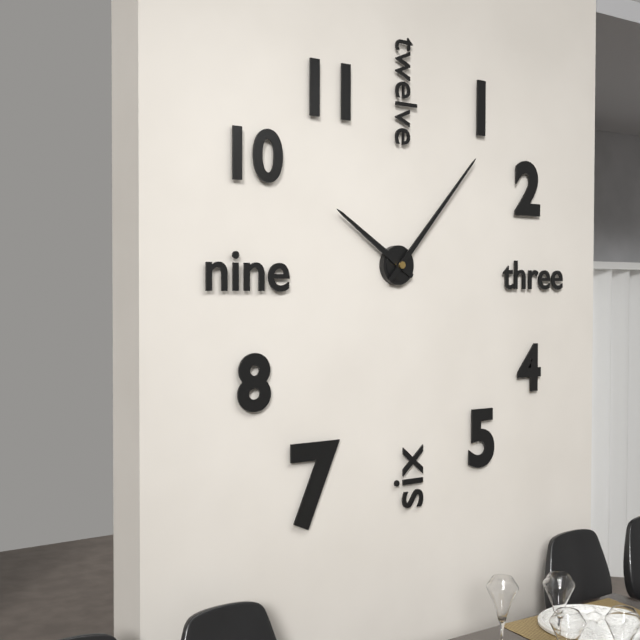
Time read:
10.07
